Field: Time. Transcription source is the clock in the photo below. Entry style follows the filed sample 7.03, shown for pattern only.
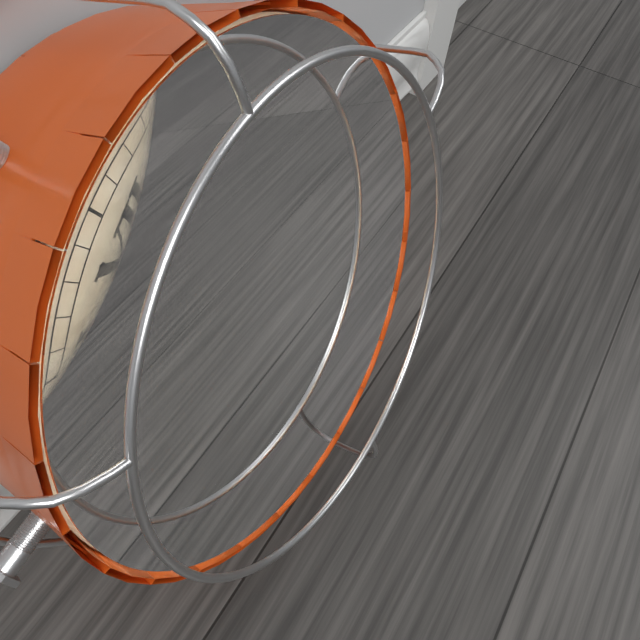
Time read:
11.36
